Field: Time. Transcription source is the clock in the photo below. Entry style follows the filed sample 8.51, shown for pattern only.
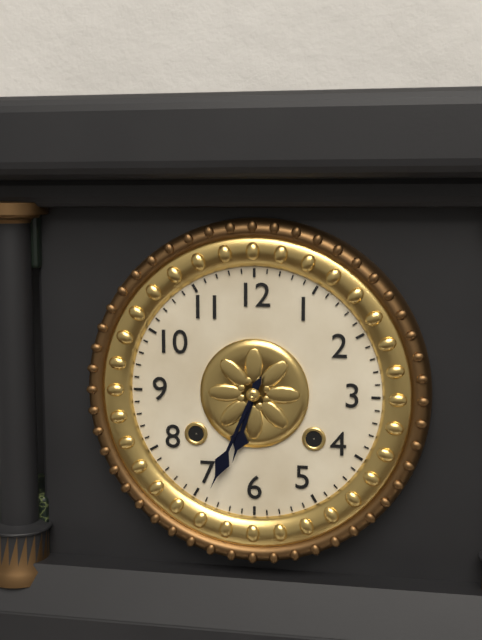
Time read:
6.34
